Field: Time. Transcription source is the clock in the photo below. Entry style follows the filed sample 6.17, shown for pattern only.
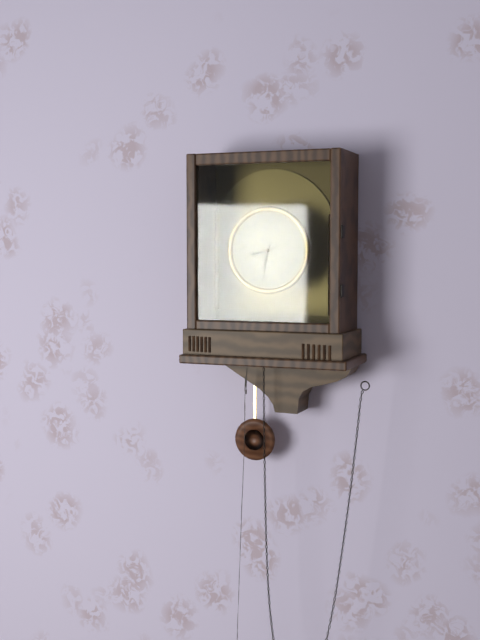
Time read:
8.32
